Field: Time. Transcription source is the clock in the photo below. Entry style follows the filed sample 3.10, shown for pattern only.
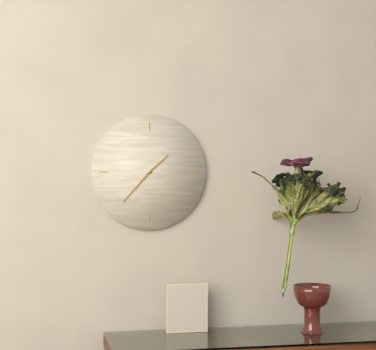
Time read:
1.37
